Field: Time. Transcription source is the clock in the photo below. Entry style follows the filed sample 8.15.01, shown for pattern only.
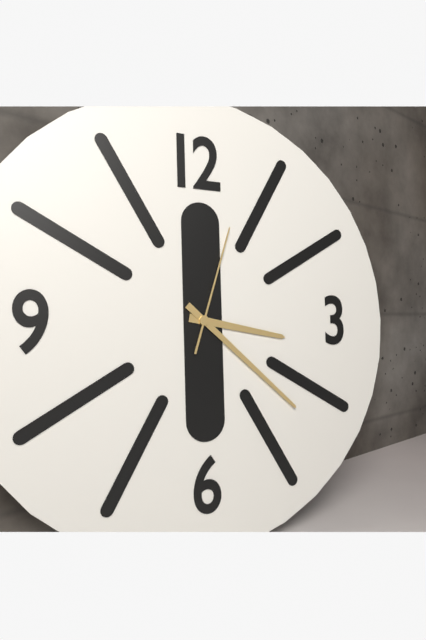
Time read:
3.22.03
